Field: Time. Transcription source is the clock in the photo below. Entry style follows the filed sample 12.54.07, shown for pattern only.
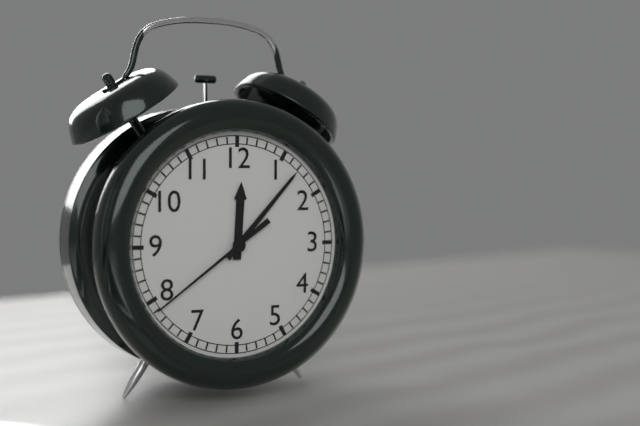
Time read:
12.07.39
